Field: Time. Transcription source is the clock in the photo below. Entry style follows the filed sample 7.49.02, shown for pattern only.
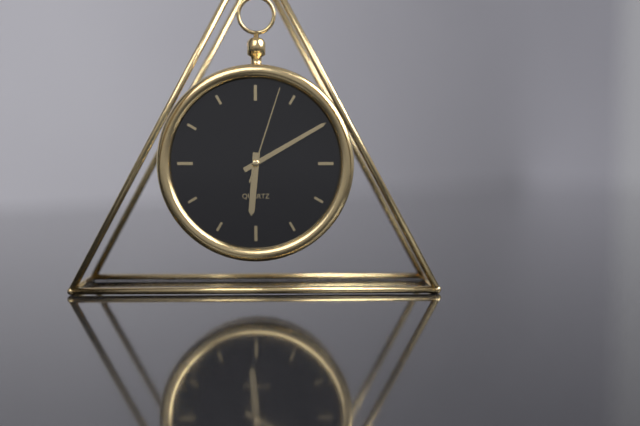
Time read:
6.10.03
